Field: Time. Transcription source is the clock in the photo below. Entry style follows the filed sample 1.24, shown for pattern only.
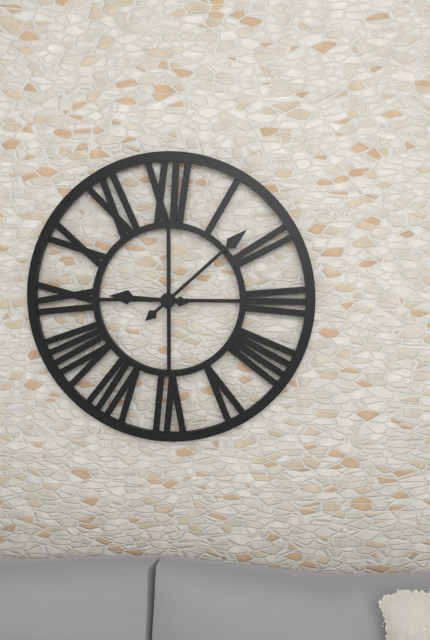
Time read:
9.08
